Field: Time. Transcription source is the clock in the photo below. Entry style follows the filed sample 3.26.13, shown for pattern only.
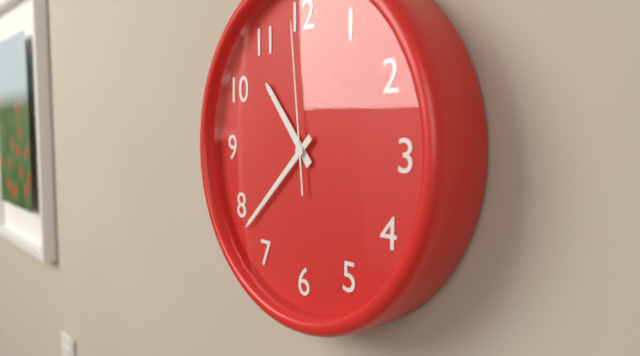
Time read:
10.38.59
